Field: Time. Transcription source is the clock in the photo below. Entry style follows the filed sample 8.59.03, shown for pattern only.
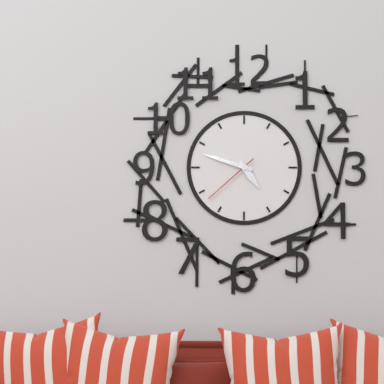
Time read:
4.48.38
